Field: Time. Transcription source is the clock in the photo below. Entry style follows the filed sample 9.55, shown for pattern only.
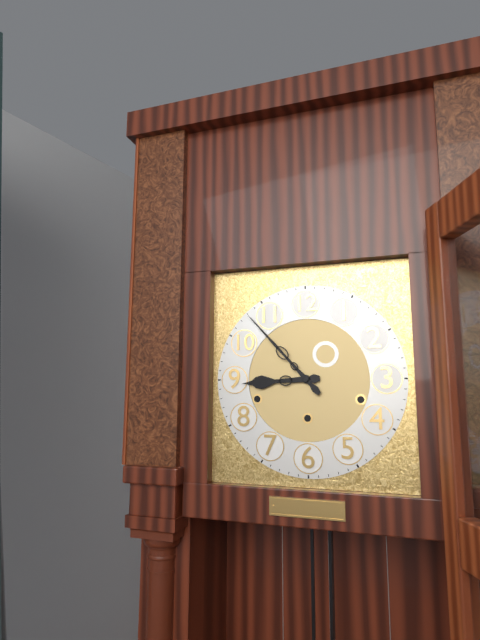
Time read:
8.53
